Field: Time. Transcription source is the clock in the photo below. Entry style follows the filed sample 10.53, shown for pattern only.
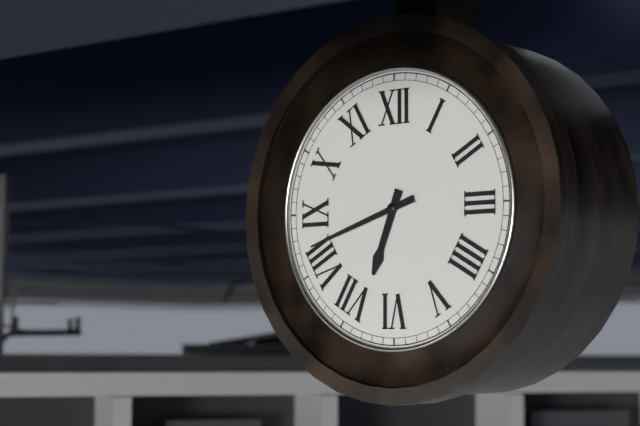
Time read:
6.42
